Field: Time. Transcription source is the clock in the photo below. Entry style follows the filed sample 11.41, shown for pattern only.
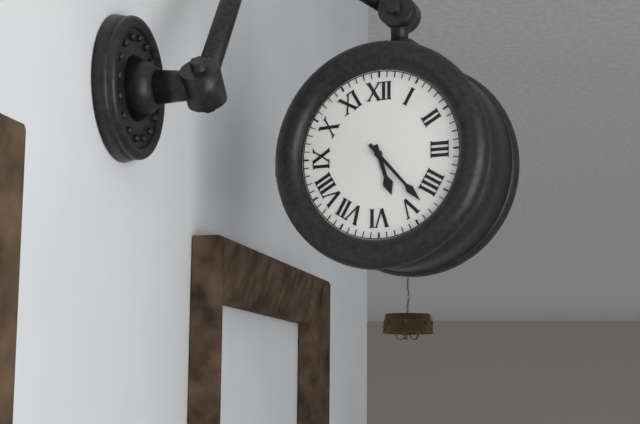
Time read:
5.23
